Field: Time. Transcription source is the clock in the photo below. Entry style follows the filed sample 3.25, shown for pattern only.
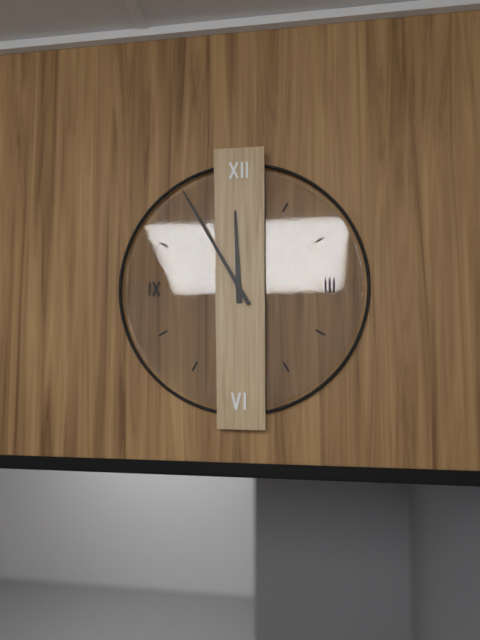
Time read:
11.55
